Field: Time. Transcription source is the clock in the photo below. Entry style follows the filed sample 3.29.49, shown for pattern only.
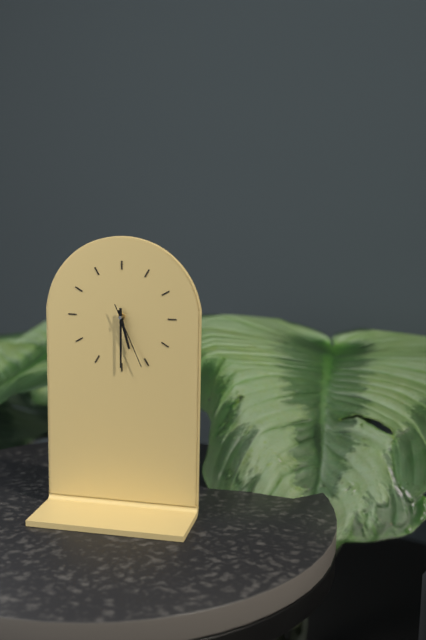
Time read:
5.30.26
